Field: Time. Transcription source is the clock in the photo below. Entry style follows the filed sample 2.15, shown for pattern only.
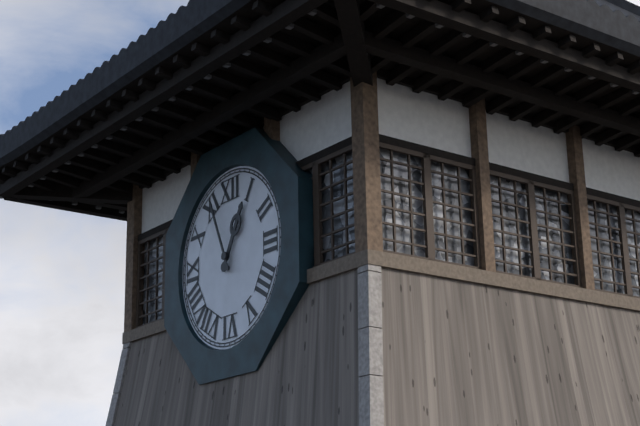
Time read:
12.56
